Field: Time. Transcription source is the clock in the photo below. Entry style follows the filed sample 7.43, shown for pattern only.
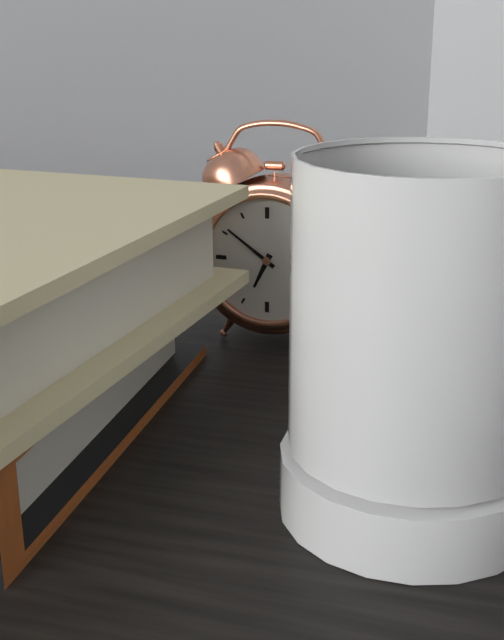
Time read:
6.51
